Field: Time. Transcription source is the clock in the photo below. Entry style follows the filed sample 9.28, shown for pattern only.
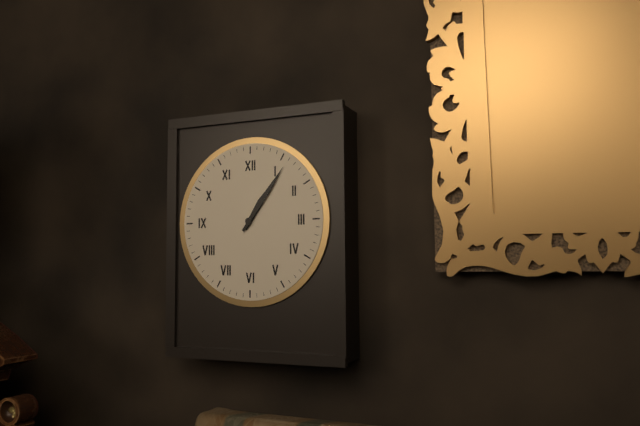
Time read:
1.06
